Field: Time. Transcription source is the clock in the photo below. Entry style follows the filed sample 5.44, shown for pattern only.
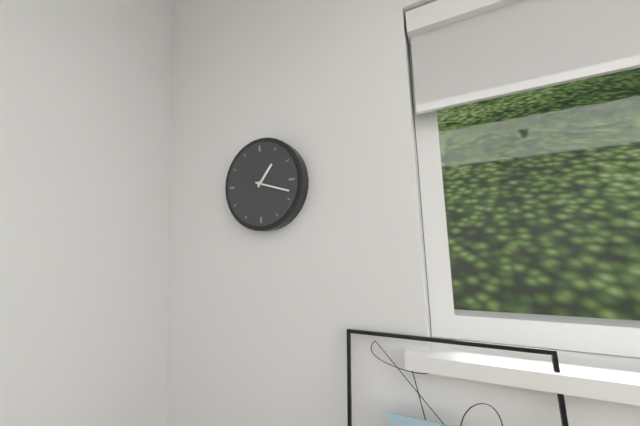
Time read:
1.18
